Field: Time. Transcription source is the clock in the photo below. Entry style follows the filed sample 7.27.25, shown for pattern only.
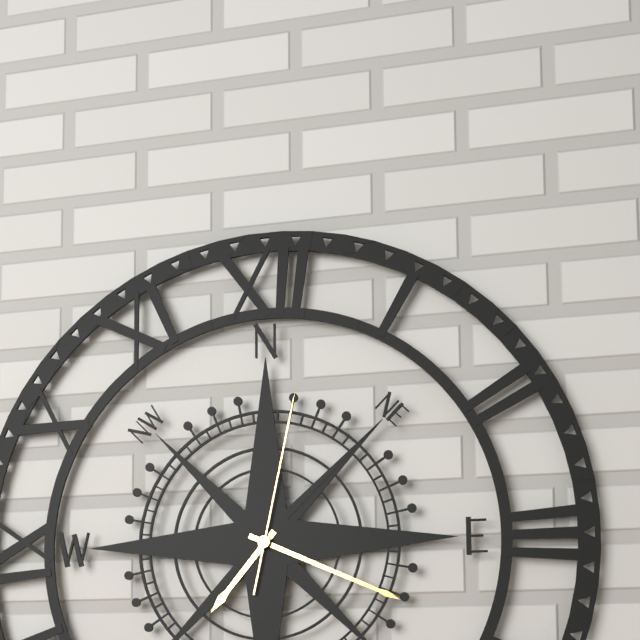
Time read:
7.19.02
